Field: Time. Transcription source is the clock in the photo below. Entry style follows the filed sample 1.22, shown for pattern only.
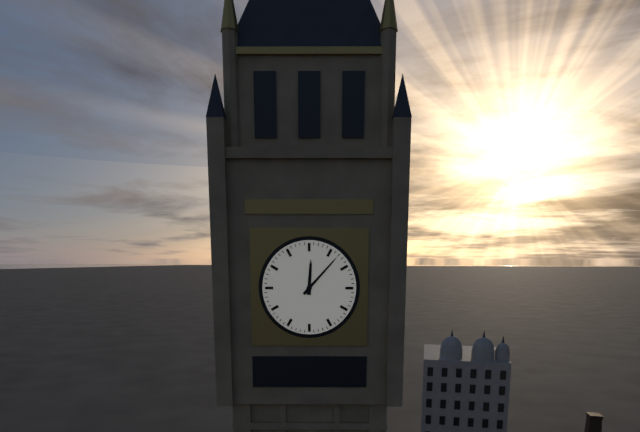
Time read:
12.07
